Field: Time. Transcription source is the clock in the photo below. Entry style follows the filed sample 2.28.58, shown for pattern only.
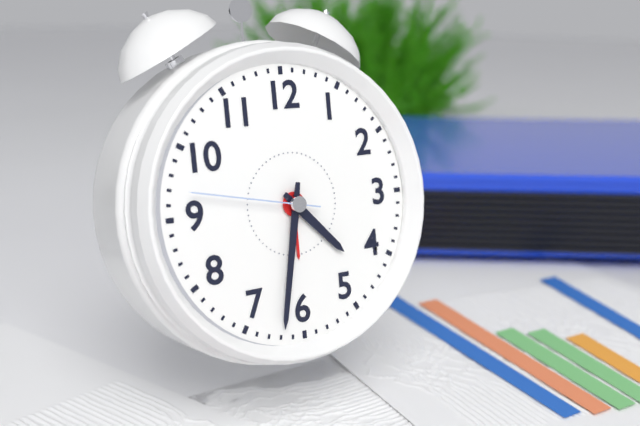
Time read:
4.32.47
